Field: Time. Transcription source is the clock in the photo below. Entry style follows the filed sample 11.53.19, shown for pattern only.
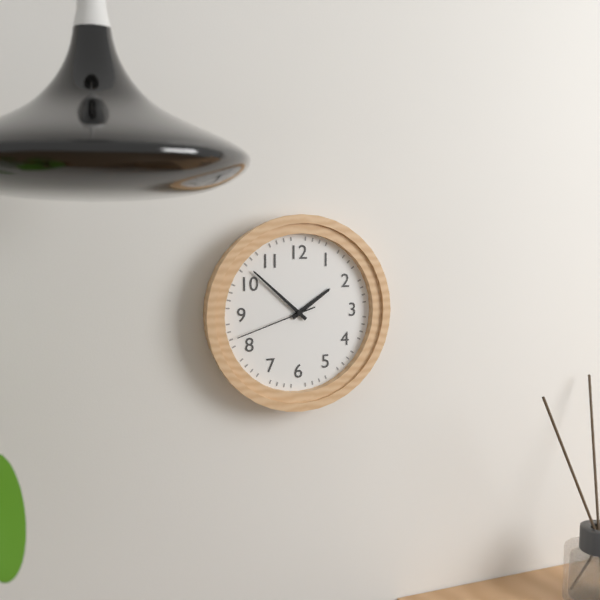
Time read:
1.52.42
